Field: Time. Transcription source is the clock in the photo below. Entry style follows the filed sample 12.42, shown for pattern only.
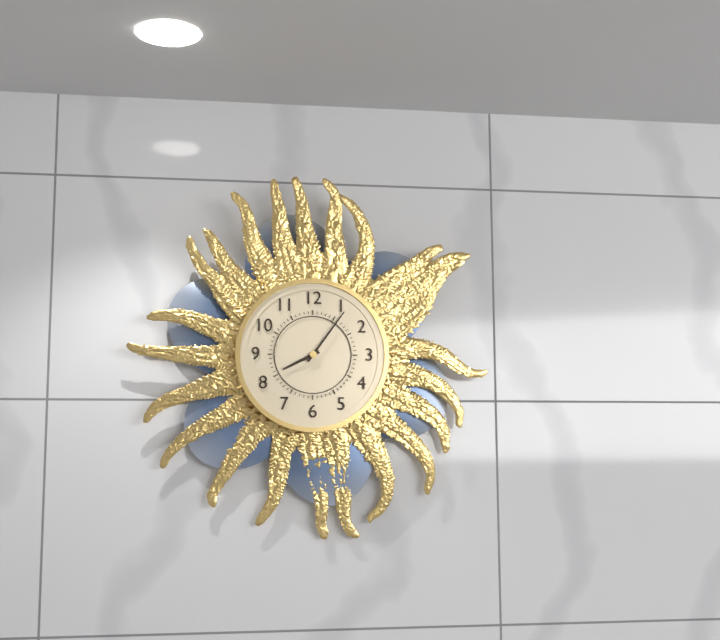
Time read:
8.06
